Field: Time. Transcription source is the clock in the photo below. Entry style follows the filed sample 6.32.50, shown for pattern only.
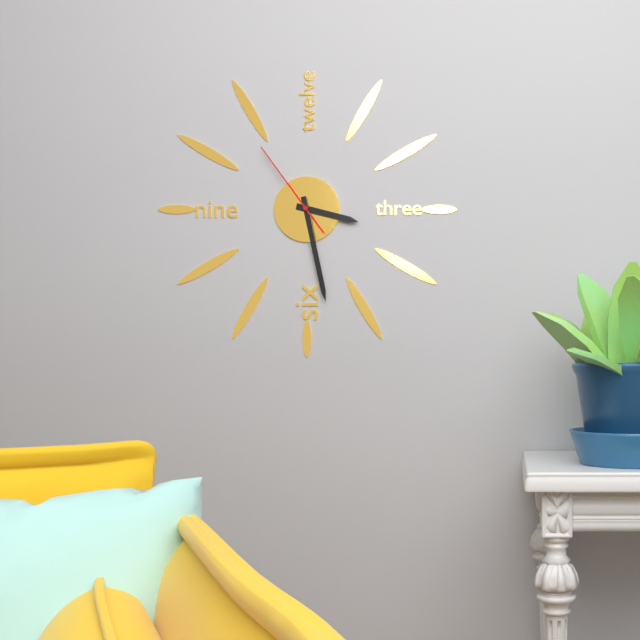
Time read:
3.28.54
